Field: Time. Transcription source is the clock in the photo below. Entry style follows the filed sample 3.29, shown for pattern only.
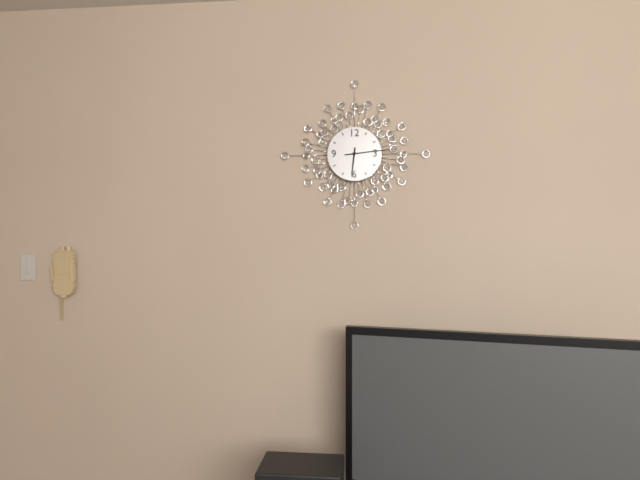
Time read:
6.14
